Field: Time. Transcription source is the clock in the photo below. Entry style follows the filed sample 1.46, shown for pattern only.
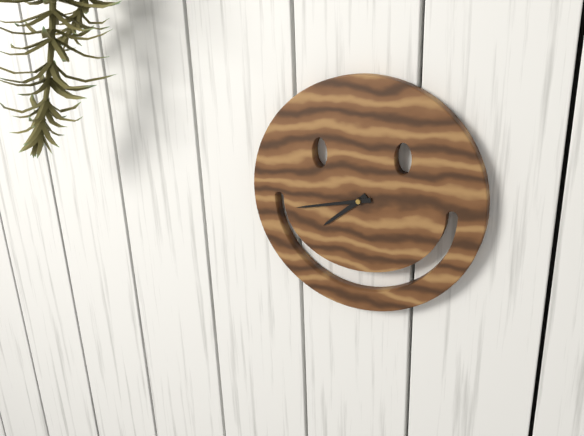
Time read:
7.43
